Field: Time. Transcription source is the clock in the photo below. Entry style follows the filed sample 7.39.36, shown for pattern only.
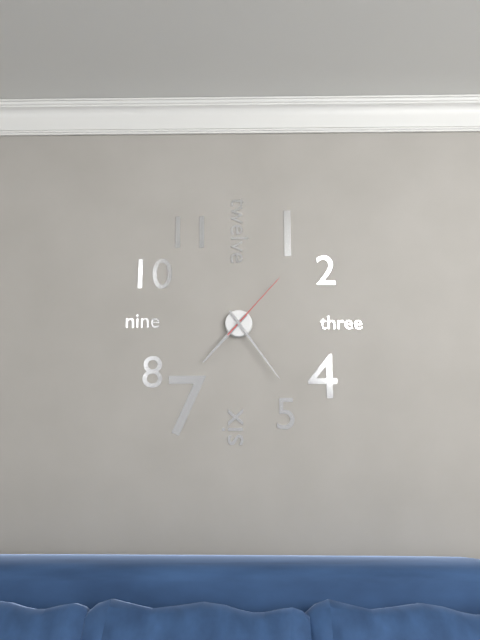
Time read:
7.24.07
